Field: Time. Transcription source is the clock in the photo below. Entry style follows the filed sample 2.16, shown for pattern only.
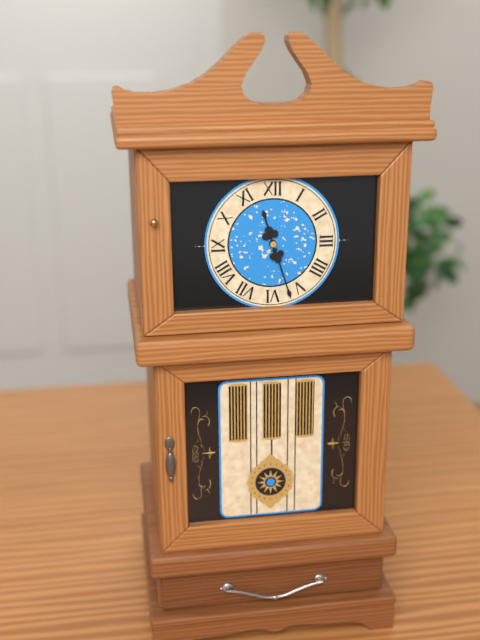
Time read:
11.27
